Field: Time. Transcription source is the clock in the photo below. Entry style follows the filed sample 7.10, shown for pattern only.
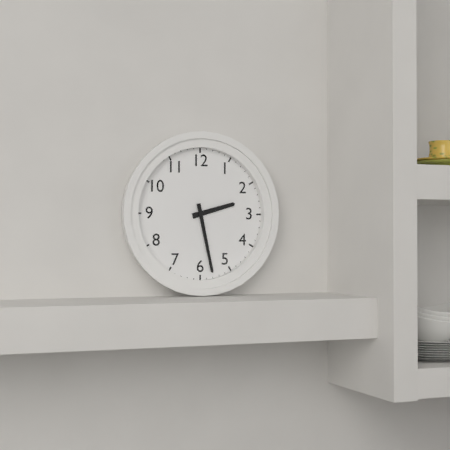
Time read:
2.28
